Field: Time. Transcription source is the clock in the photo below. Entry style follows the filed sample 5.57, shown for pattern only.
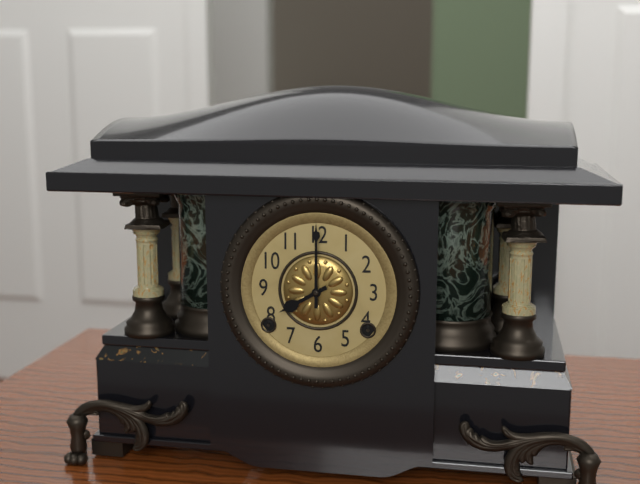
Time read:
8.00
